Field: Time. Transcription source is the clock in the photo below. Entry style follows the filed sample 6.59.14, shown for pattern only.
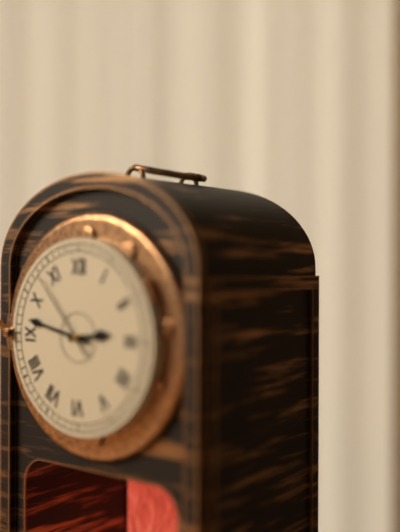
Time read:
2.47.53
